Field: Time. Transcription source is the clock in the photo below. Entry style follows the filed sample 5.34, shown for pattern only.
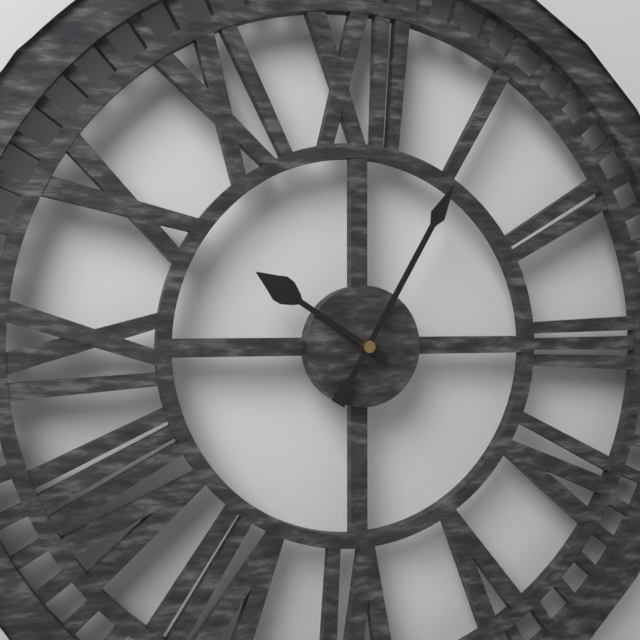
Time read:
10.05
